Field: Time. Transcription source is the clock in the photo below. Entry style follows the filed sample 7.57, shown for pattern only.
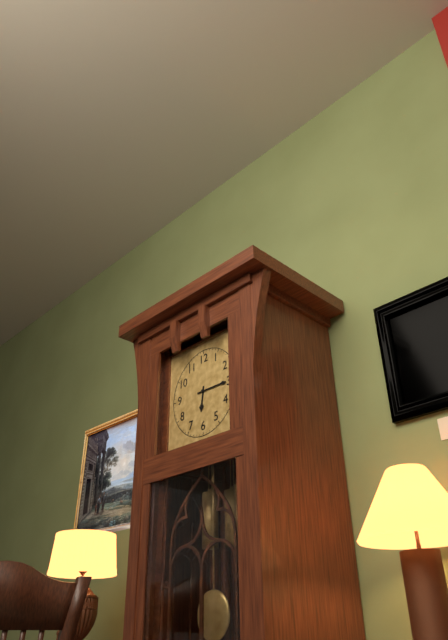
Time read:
6.15
